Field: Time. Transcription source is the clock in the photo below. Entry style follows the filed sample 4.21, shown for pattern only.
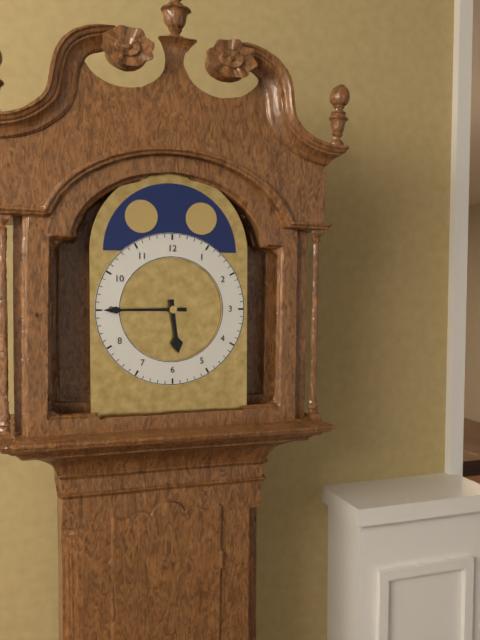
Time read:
5.45
